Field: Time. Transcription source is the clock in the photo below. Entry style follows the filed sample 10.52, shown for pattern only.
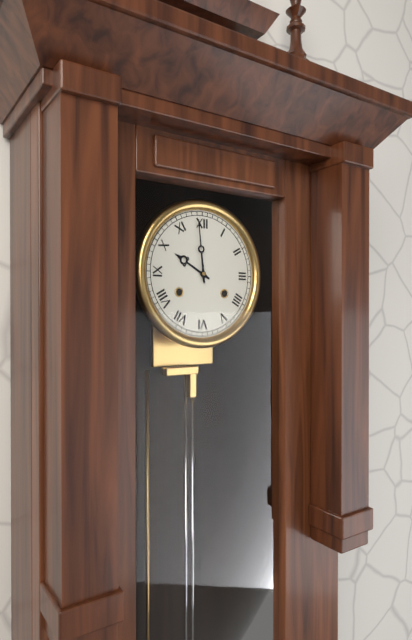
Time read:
9.59
